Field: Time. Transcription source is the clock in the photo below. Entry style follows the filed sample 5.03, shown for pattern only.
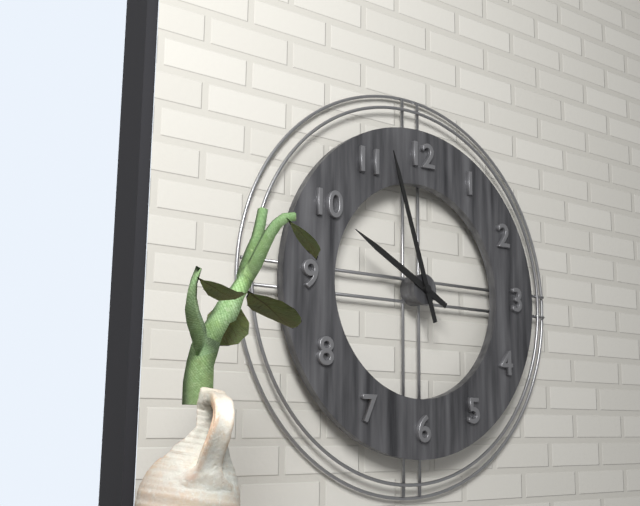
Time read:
9.57
